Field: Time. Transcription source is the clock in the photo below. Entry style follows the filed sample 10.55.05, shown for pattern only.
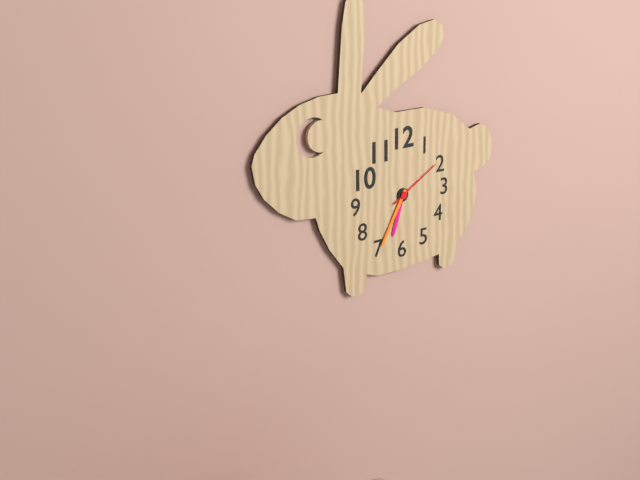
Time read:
6.35.10
